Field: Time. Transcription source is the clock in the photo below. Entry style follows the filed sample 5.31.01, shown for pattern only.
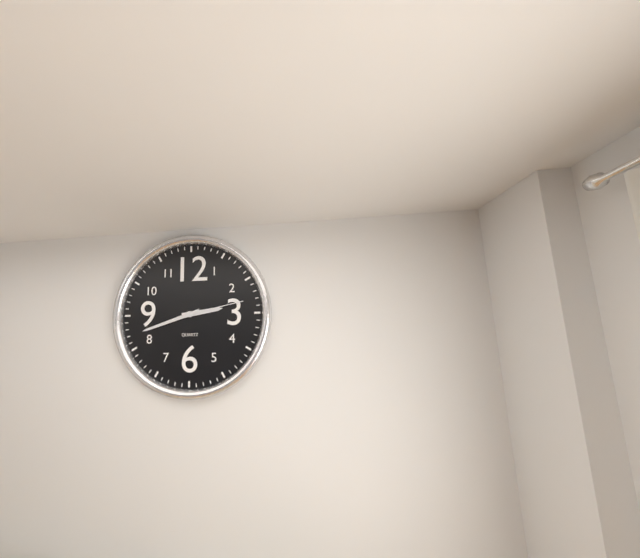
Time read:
2.42.13
